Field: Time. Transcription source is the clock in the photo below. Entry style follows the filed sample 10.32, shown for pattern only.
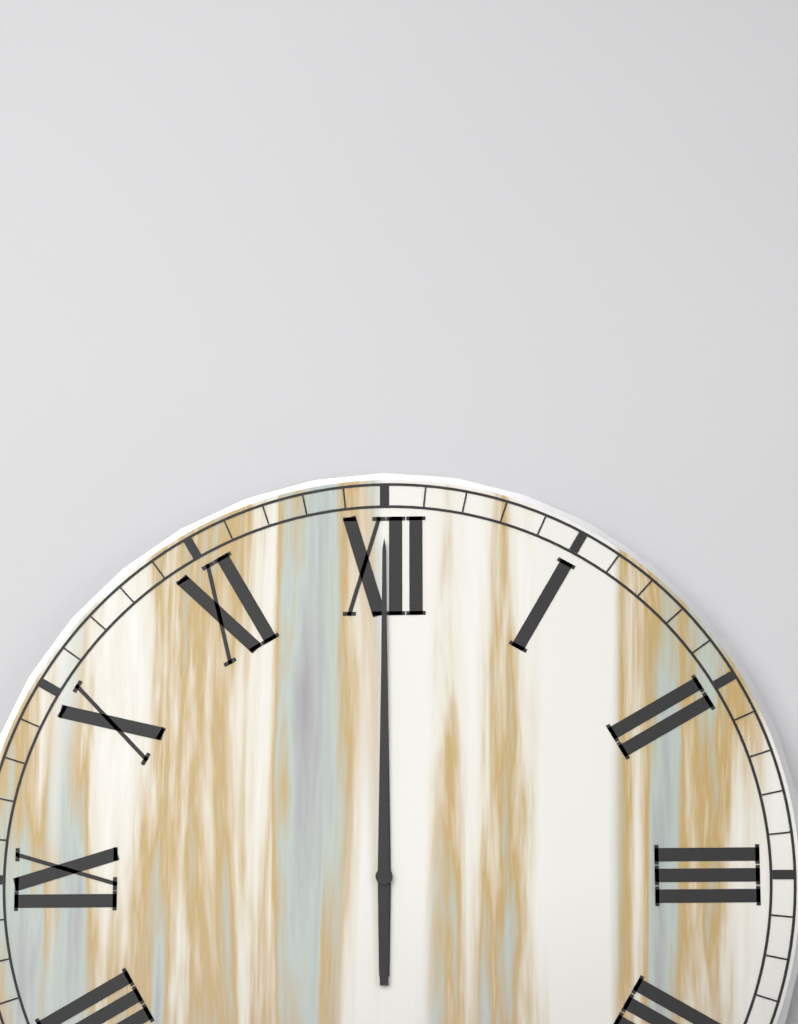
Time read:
12.00
